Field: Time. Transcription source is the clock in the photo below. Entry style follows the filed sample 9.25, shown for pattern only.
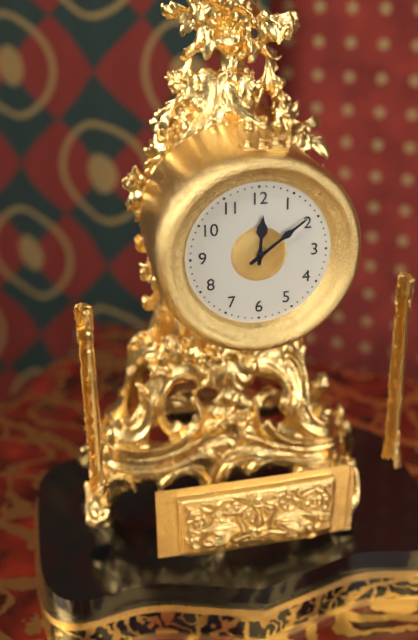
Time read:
12.09
